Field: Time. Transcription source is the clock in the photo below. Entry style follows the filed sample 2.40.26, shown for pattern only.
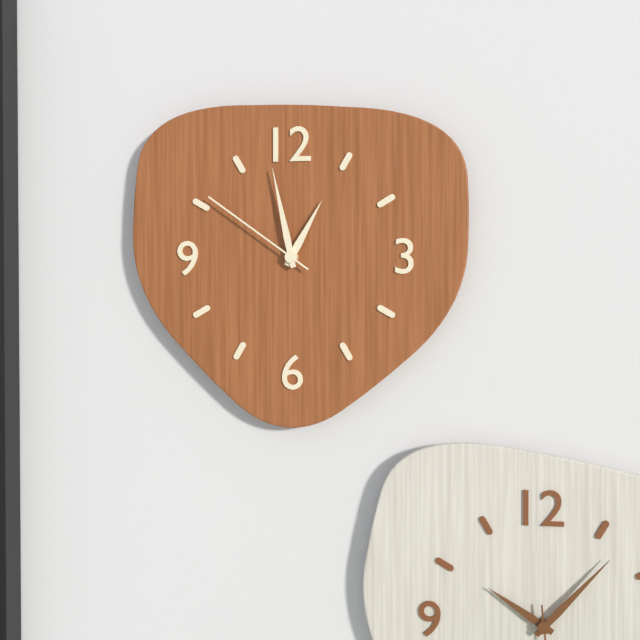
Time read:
12.58.51
